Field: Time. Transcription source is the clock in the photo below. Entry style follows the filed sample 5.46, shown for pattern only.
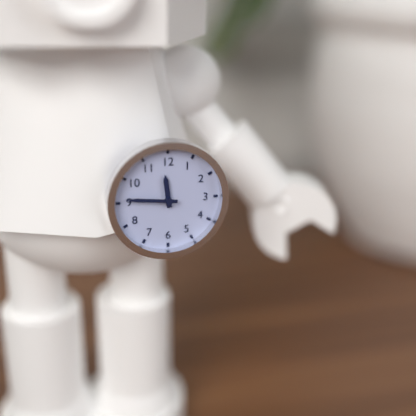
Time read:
11.46
